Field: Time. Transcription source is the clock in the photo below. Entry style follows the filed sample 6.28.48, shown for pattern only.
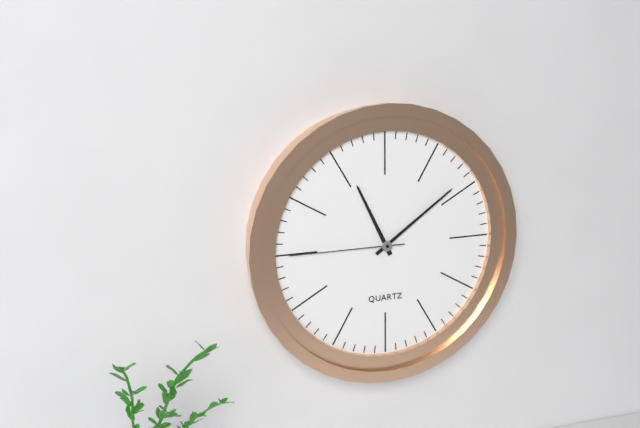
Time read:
11.09.45
